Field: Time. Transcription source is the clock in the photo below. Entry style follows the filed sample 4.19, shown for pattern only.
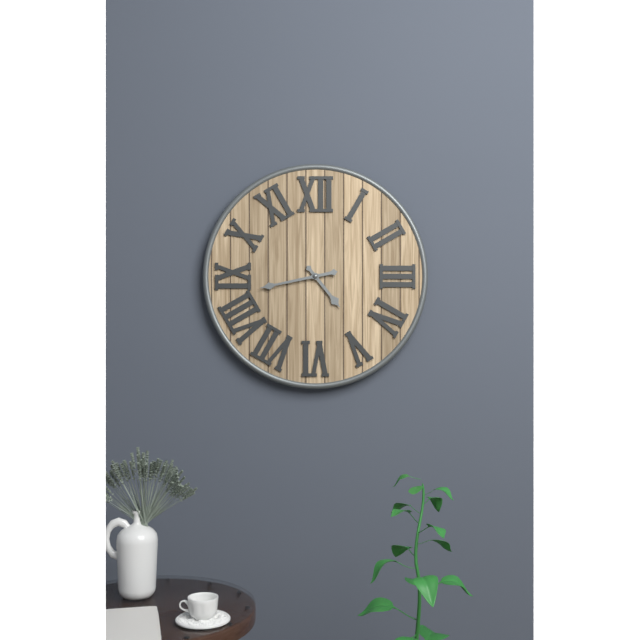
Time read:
4.43
